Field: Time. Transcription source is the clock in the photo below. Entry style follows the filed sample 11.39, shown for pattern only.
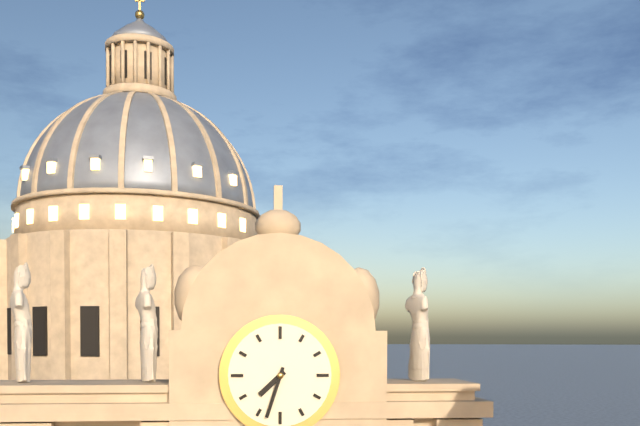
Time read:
7.33
